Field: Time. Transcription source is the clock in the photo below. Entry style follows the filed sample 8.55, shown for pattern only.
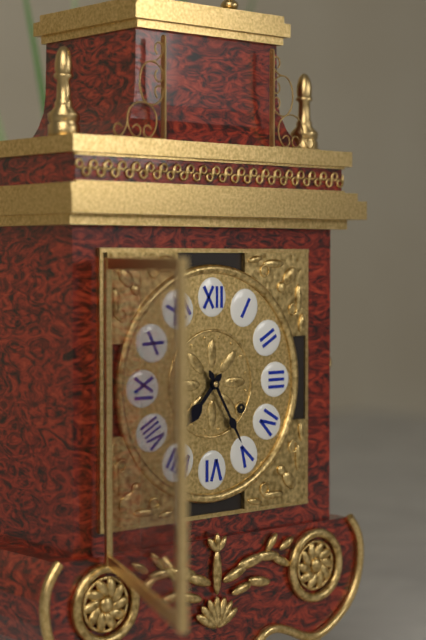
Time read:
7.25
